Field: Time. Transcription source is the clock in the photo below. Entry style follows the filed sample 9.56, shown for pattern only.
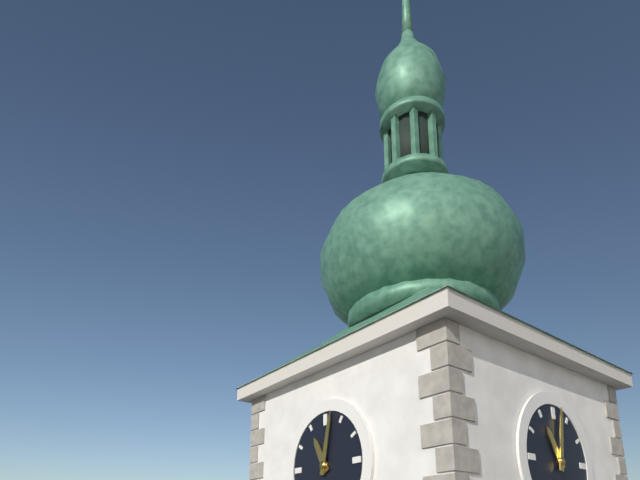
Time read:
11.02
